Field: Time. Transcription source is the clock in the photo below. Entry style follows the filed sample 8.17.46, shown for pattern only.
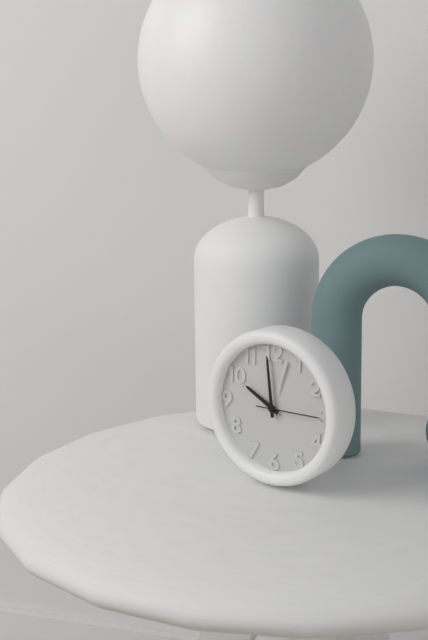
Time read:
9.59.15
